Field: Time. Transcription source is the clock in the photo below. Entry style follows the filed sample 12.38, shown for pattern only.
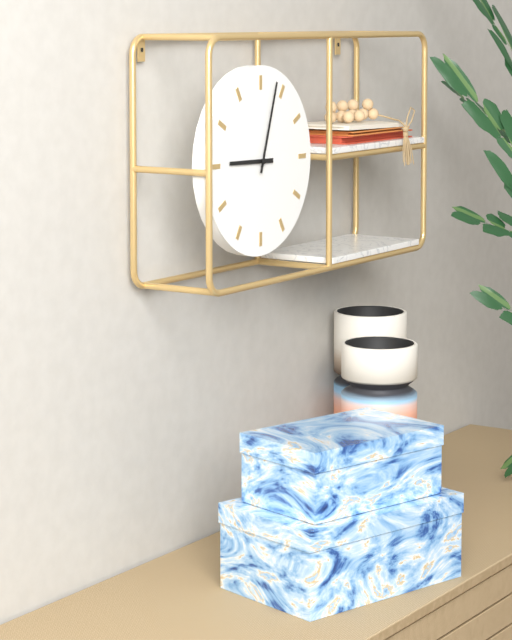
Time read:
9.03
